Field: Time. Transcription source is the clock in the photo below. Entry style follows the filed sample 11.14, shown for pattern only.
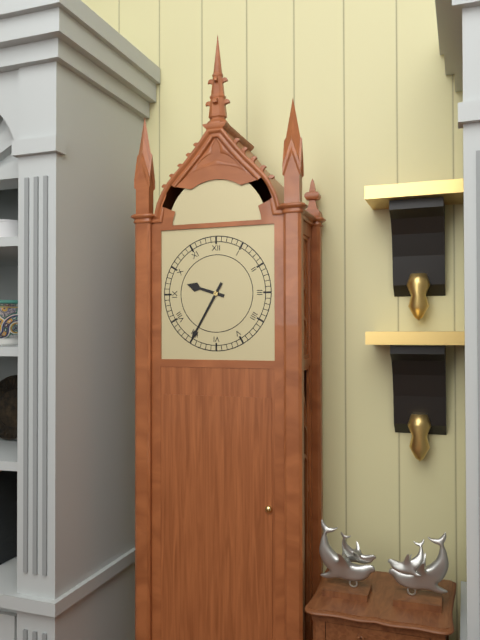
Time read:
9.35
